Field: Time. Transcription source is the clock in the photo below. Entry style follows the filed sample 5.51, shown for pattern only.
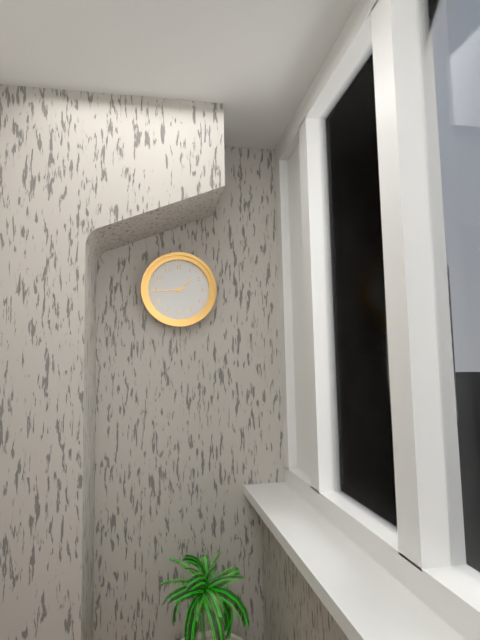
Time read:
1.44
